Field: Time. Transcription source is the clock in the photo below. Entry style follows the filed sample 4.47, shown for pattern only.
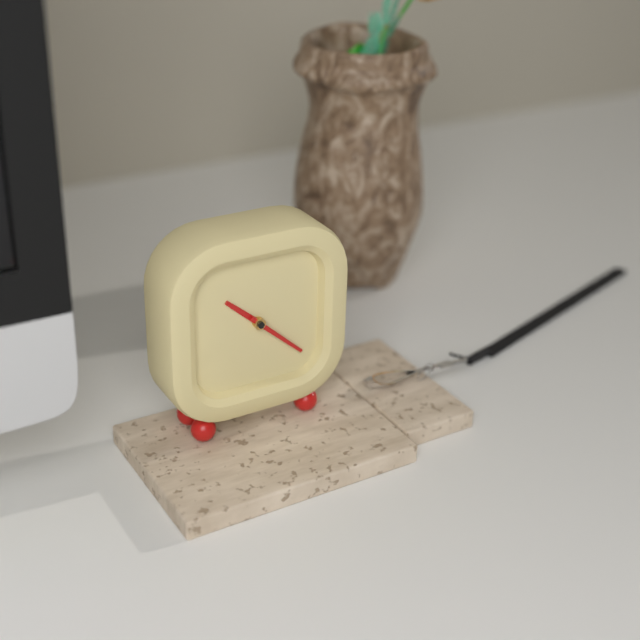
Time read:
10.22
